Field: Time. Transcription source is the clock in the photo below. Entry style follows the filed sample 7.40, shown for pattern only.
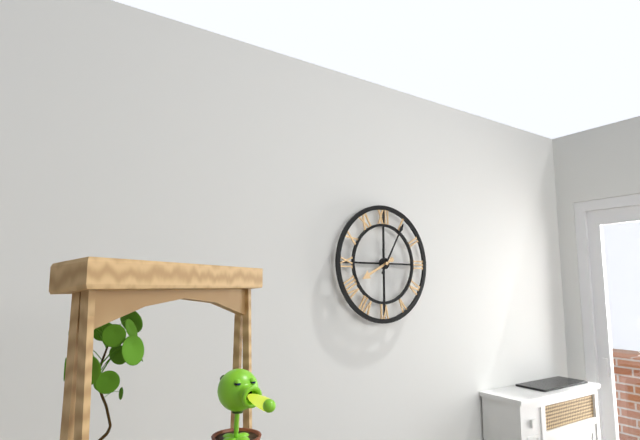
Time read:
8.05
